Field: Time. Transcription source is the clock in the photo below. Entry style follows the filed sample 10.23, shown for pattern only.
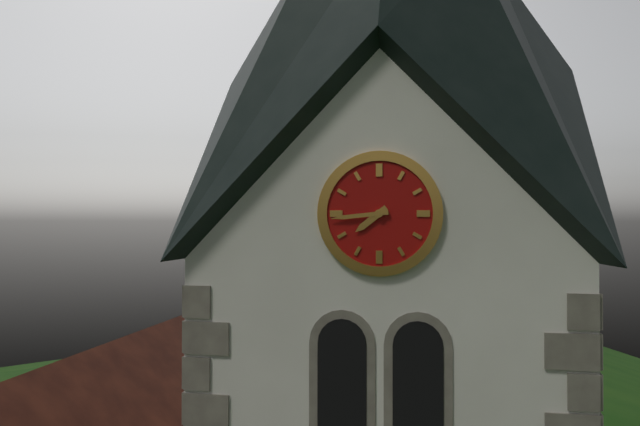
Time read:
7.44
